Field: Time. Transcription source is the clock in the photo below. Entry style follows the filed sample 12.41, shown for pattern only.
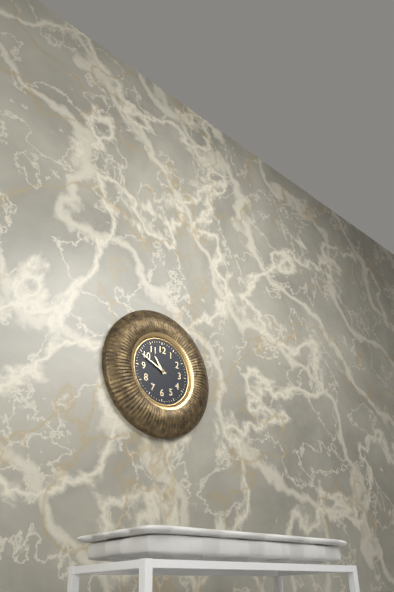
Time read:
10.49
